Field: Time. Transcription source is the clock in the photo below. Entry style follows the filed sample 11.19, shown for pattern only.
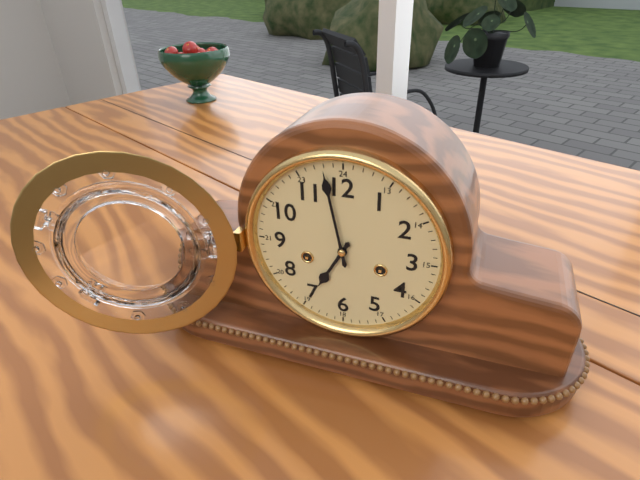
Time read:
6.58
